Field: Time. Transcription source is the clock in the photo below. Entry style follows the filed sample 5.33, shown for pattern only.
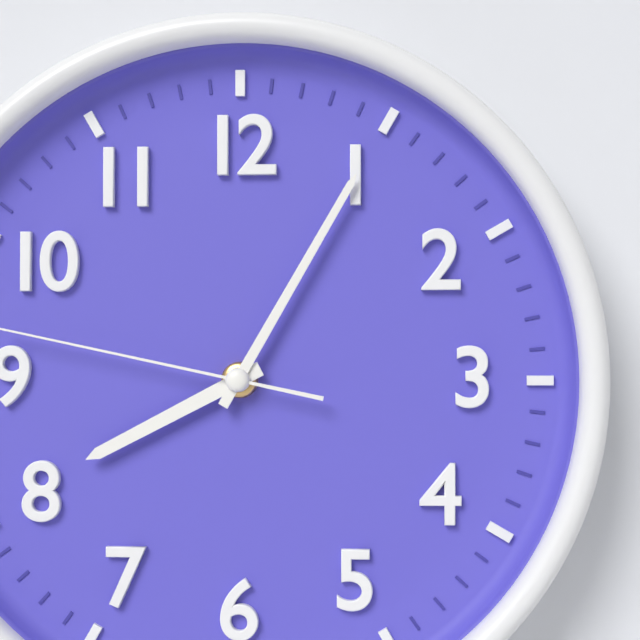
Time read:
8.05
